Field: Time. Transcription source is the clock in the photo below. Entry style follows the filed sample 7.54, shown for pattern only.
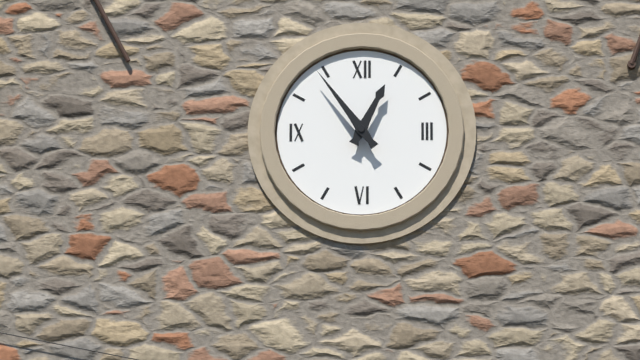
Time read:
12.54
